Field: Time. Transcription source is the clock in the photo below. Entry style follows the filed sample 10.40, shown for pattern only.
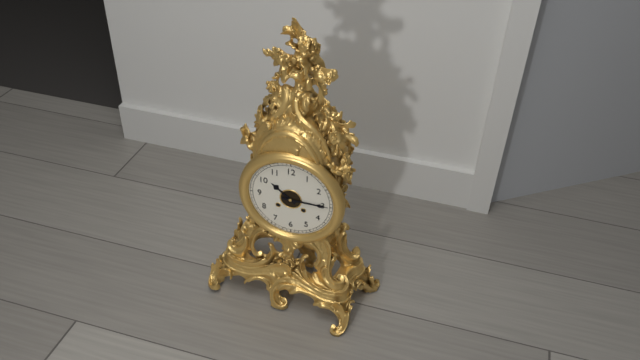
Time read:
10.15
